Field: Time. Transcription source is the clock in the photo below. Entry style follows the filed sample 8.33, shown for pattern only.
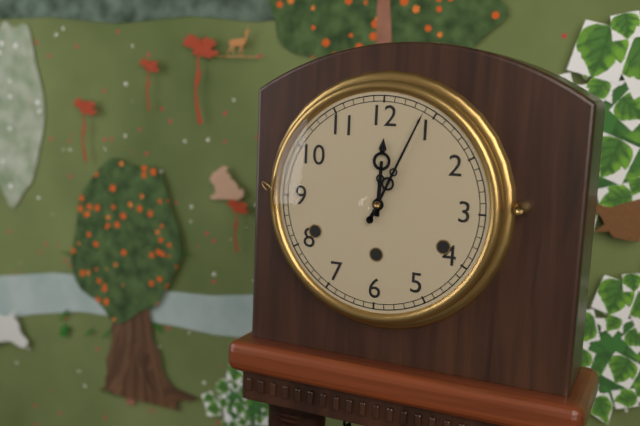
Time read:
12.04
